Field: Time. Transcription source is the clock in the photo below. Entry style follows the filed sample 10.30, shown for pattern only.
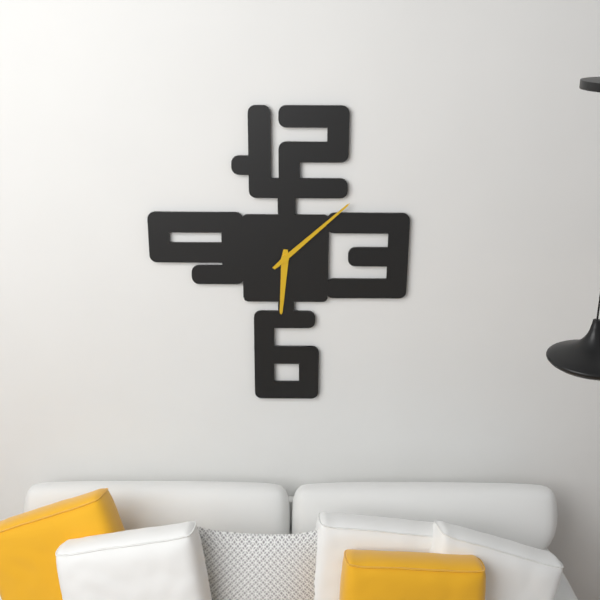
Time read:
6.08
